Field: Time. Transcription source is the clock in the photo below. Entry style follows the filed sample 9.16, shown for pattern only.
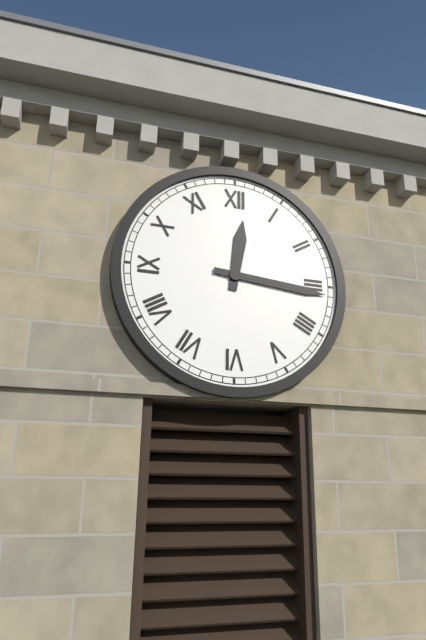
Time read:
12.16
